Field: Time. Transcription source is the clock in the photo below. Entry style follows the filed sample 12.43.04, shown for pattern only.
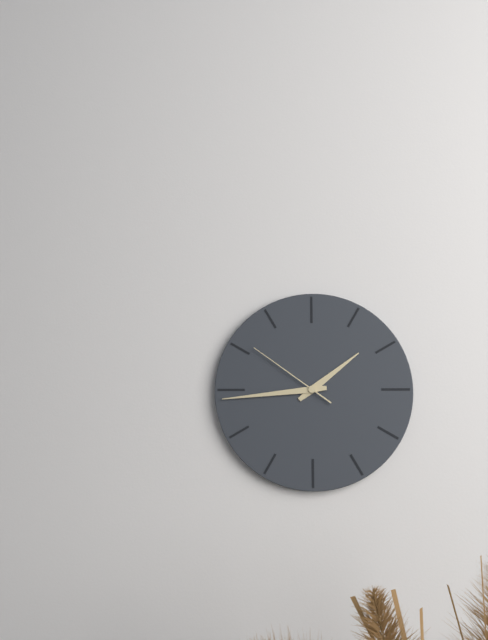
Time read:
1.44.51
